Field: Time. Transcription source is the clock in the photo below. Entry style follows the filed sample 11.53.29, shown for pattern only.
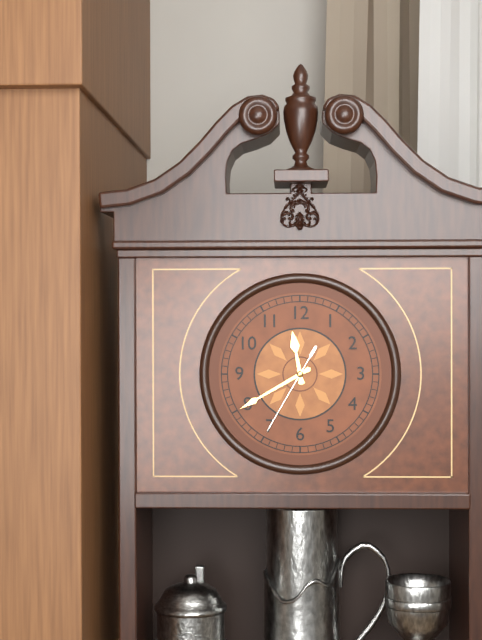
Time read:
11.40.35
